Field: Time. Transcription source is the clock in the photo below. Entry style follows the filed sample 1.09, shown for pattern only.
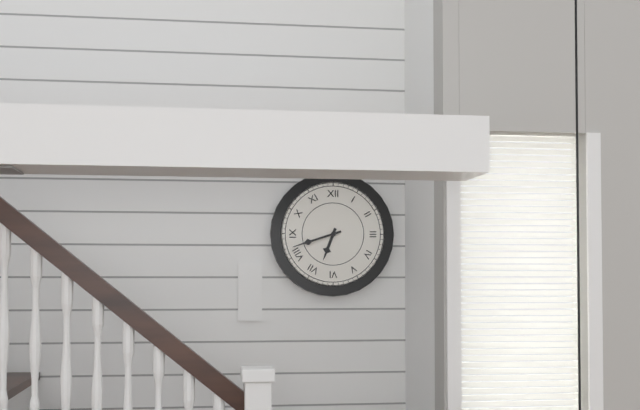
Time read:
6.42
